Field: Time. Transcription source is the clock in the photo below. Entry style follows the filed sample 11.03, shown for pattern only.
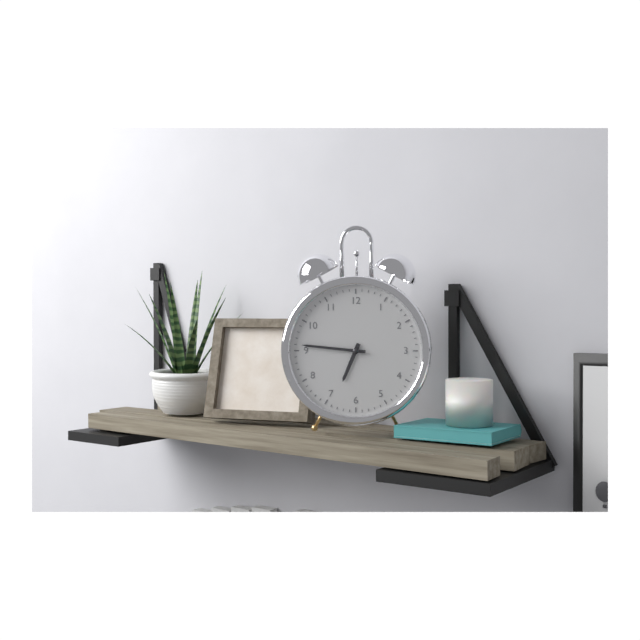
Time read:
6.46
